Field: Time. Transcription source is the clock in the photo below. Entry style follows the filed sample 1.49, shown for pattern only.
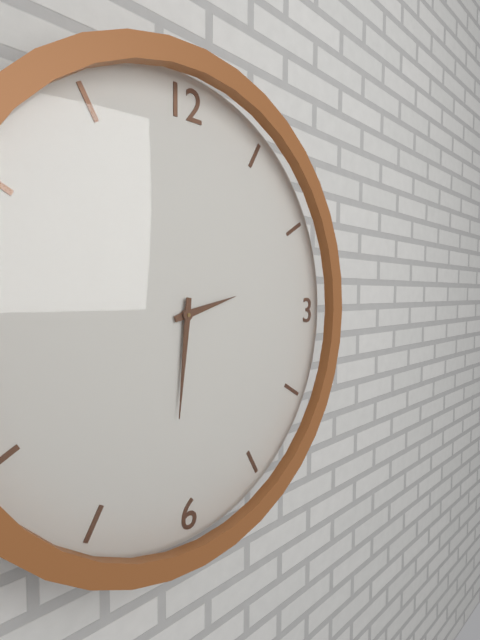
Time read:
2.31
